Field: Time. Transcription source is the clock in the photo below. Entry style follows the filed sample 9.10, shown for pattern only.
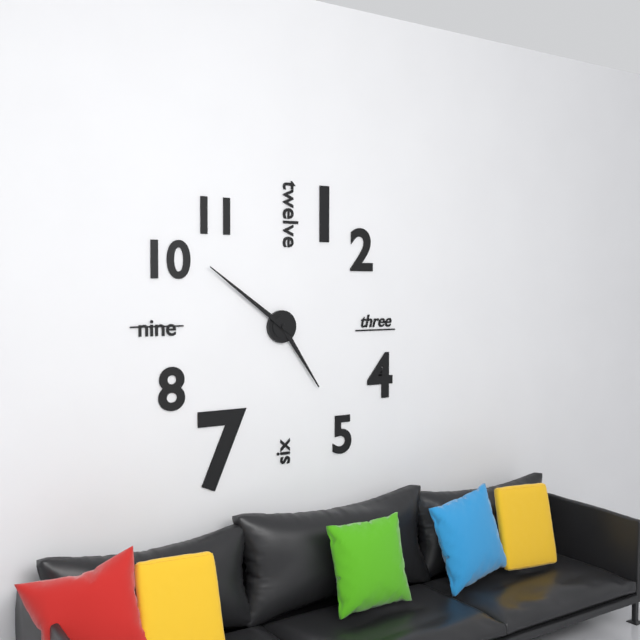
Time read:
4.51
